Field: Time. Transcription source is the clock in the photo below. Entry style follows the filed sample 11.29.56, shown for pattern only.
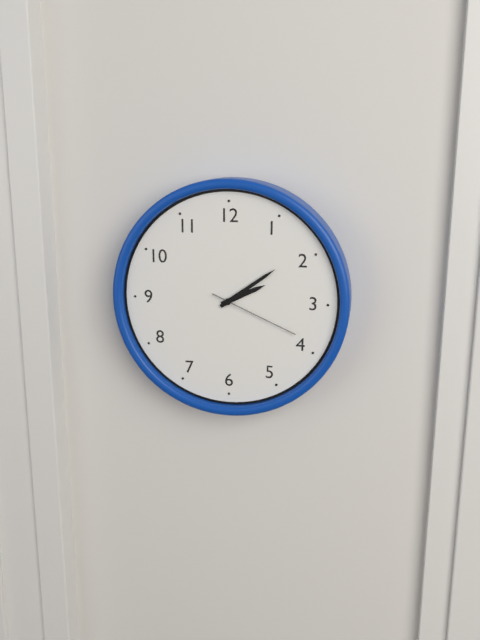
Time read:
2.09.19
